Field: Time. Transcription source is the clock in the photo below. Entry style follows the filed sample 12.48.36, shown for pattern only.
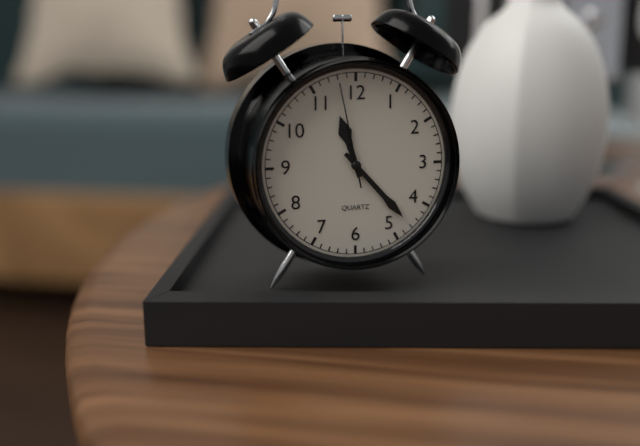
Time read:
11.23.58
